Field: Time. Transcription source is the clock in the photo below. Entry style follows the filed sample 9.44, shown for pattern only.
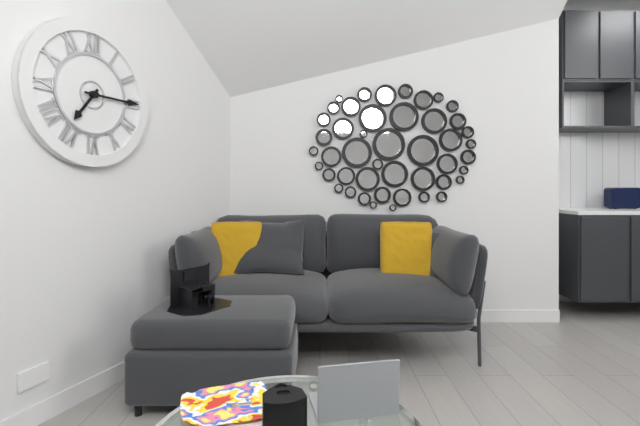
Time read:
7.15
